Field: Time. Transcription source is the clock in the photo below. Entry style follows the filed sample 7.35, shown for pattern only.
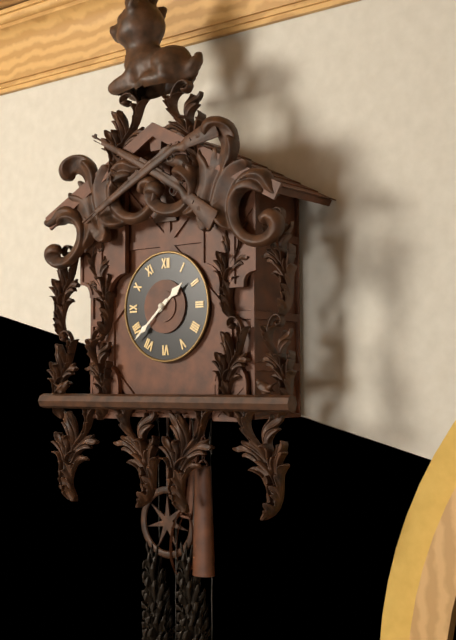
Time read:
1.38
